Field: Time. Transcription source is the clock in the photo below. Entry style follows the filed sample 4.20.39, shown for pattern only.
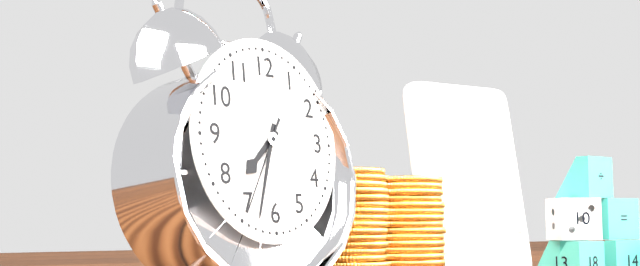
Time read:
7.33.35
